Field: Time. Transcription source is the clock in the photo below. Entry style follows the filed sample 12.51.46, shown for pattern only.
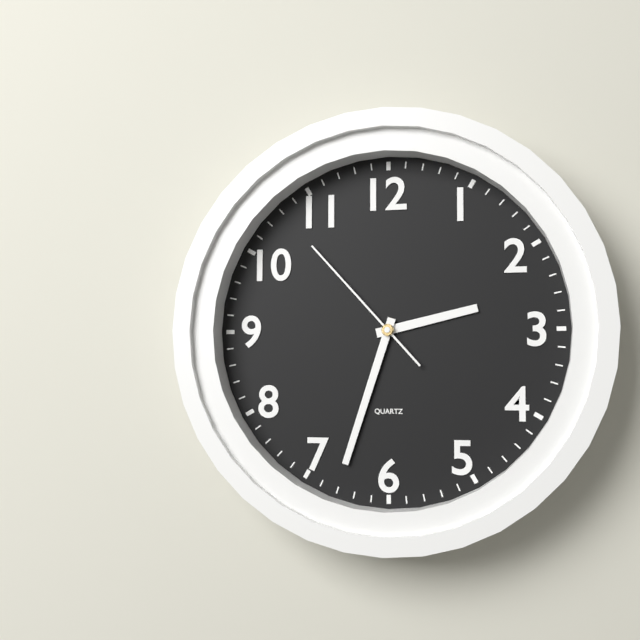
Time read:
2.33.53
